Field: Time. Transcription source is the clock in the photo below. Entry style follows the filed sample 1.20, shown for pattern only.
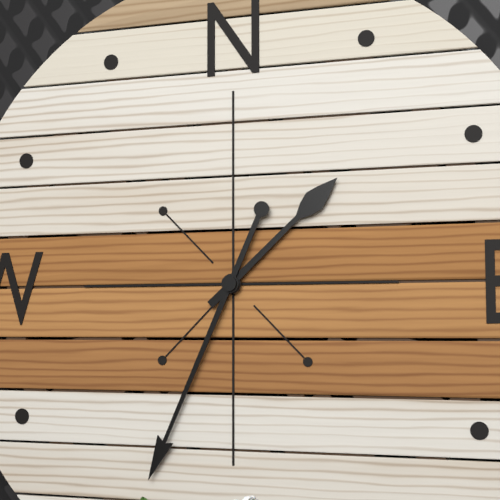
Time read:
1.34
